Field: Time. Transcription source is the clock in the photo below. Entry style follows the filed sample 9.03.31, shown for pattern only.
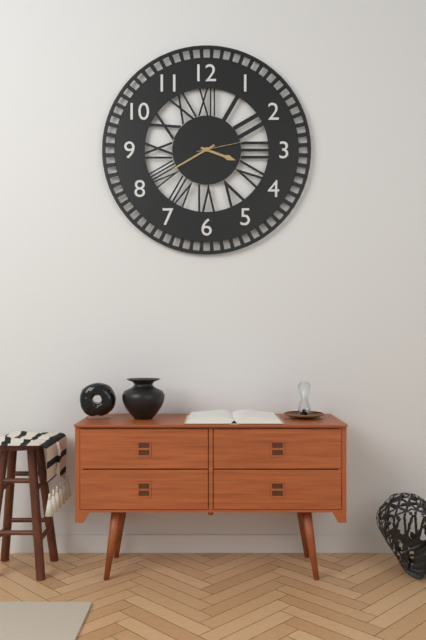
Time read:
3.40.13
